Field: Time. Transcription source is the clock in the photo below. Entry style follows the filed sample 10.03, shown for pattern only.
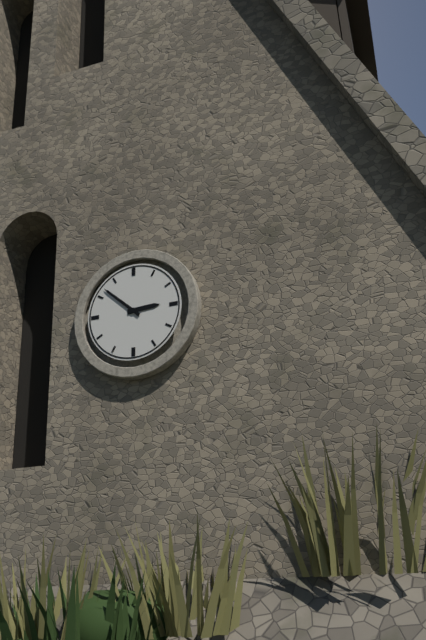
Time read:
2.52
